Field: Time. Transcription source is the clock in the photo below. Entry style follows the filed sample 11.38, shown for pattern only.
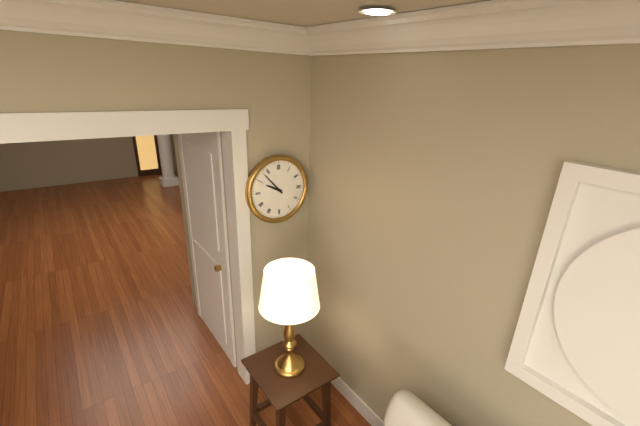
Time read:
9.53
